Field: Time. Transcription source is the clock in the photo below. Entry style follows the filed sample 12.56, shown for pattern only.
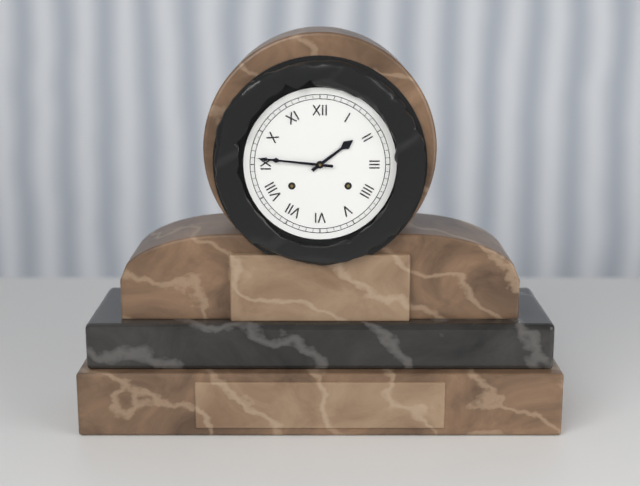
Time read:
1.46
